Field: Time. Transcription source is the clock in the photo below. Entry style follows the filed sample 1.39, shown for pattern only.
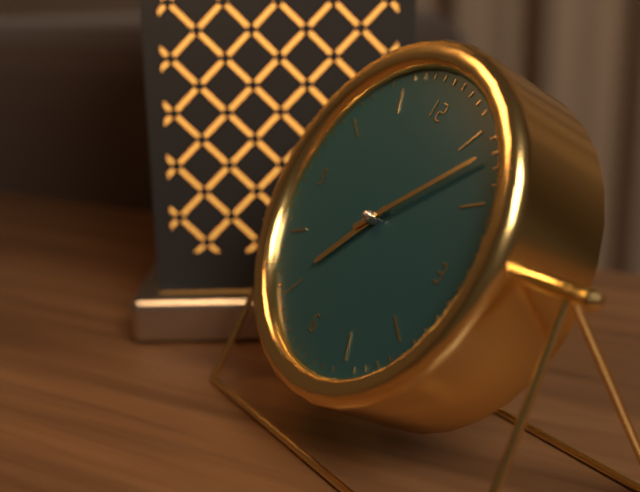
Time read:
7.07
